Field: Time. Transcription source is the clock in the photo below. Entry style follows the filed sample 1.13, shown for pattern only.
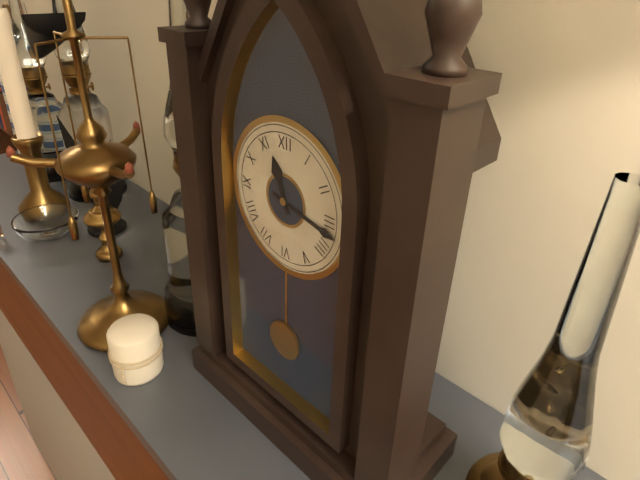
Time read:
11.17
